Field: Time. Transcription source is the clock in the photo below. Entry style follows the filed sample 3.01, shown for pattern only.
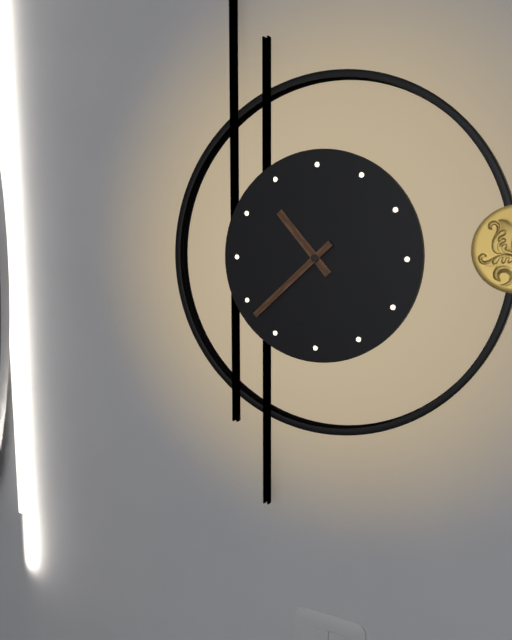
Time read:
10.38
